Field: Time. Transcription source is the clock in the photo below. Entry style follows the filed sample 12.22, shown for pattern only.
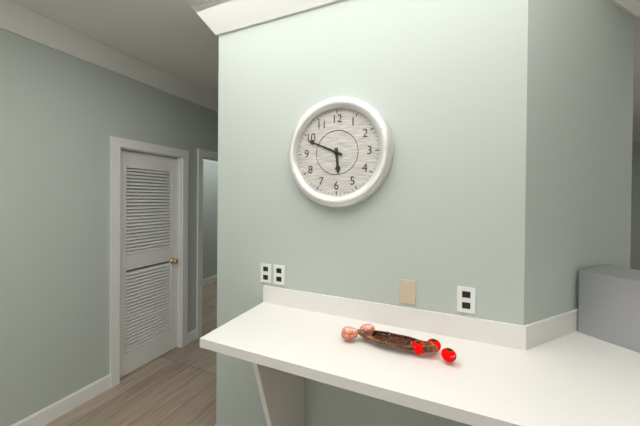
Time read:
5.49
